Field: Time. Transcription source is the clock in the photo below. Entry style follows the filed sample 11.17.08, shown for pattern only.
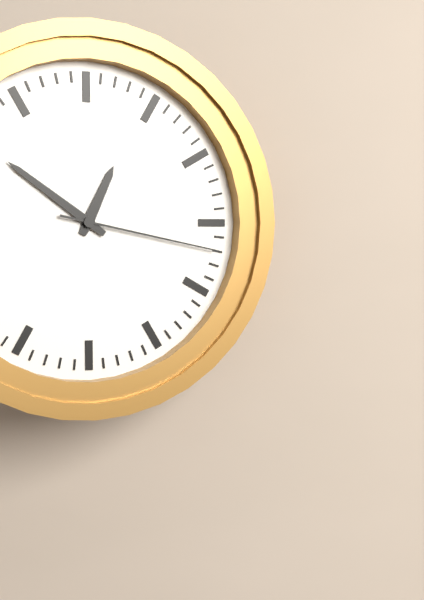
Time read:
12.51.17
